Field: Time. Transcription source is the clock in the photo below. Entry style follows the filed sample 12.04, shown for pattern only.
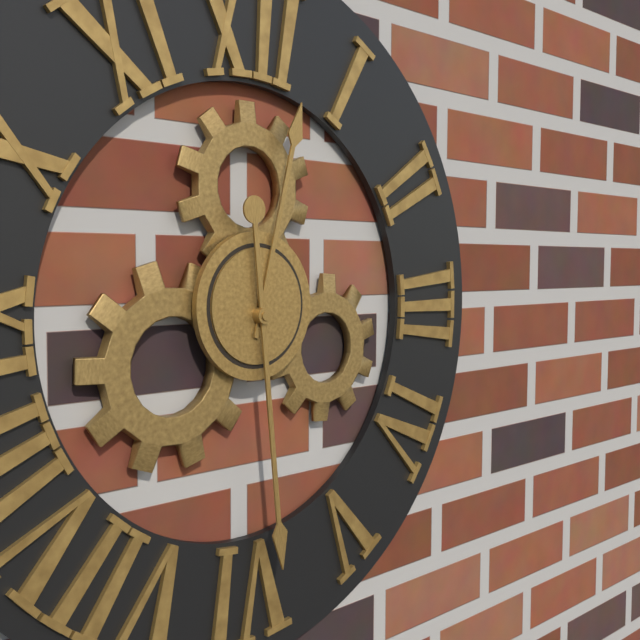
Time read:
12.29
